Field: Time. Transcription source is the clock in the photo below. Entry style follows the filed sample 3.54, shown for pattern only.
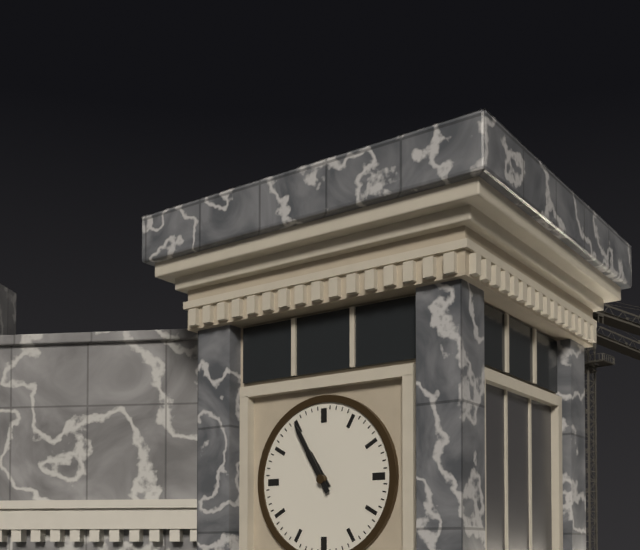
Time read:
10.55
